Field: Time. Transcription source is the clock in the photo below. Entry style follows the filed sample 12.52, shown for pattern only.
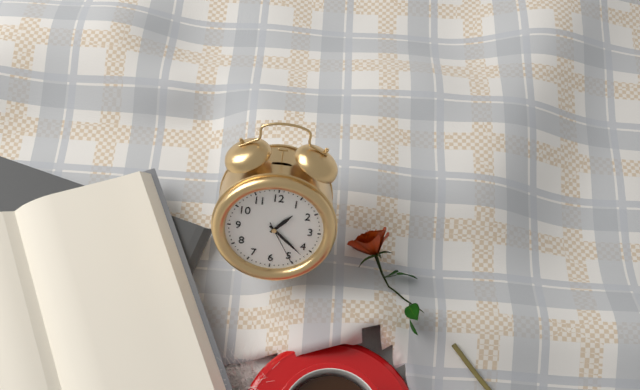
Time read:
1.22
